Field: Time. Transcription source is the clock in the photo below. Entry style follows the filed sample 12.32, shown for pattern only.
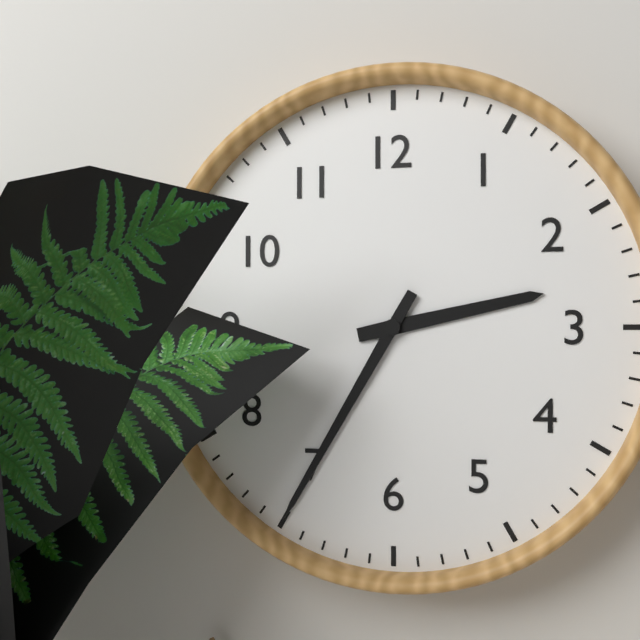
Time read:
2.35
